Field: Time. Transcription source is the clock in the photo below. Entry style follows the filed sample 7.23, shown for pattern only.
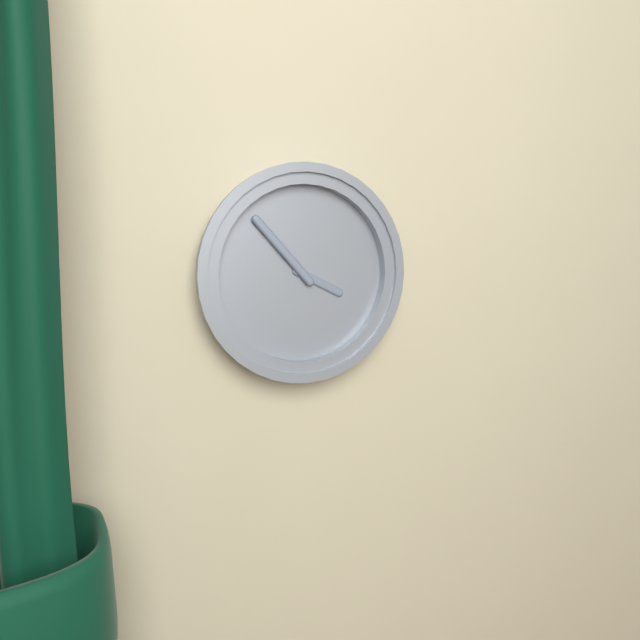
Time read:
3.53
